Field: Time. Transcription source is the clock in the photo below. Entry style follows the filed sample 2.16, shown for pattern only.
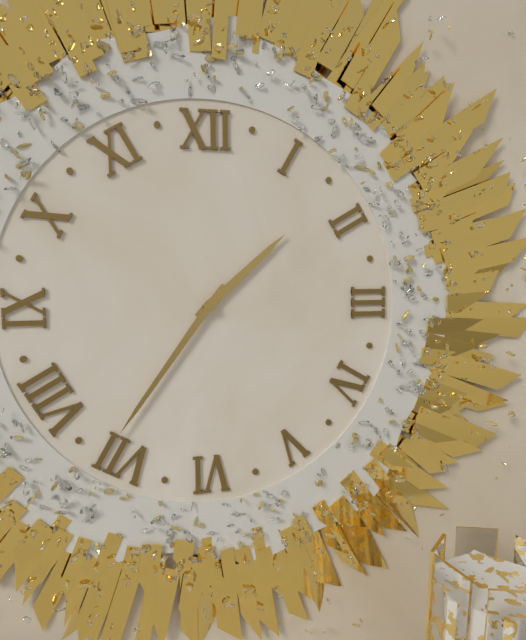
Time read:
1.36
